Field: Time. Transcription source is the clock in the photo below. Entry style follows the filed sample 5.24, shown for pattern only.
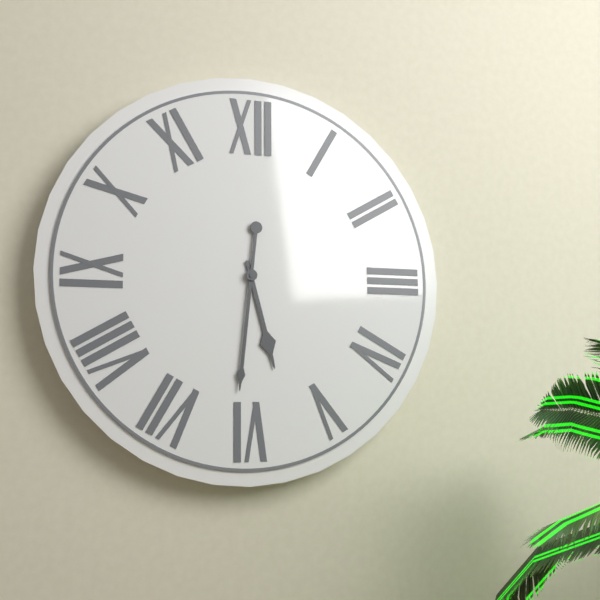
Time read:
5.31
